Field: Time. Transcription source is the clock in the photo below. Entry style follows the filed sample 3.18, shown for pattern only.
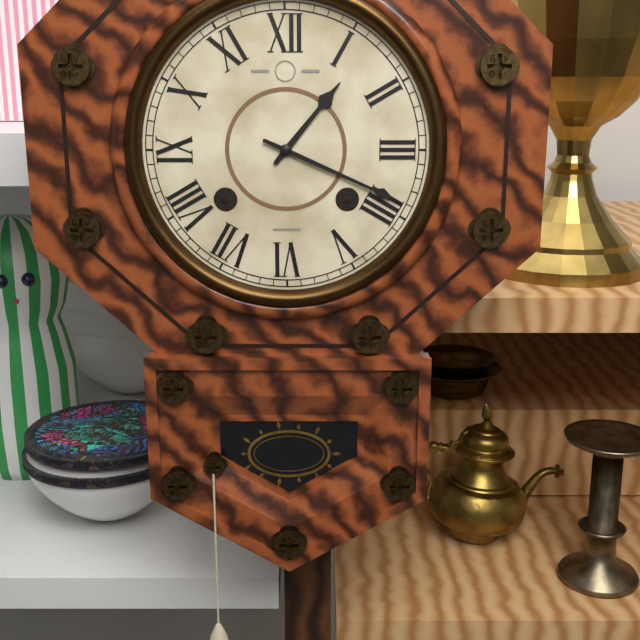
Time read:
1.19
